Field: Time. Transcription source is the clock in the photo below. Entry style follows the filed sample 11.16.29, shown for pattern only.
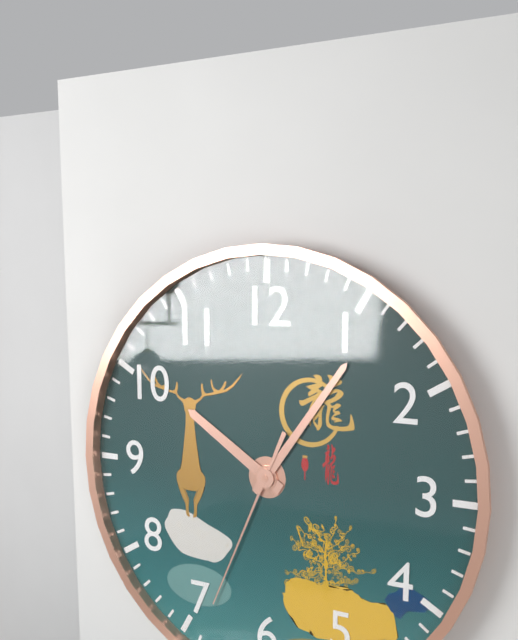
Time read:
10.06.34
